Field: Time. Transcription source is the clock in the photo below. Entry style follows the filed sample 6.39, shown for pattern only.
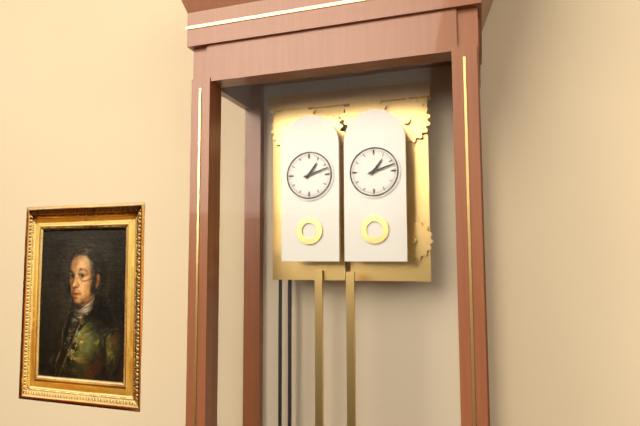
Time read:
1.12
